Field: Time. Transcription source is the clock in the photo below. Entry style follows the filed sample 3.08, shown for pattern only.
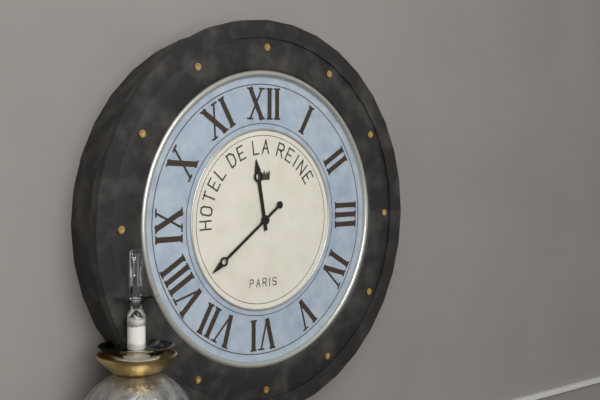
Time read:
11.39
